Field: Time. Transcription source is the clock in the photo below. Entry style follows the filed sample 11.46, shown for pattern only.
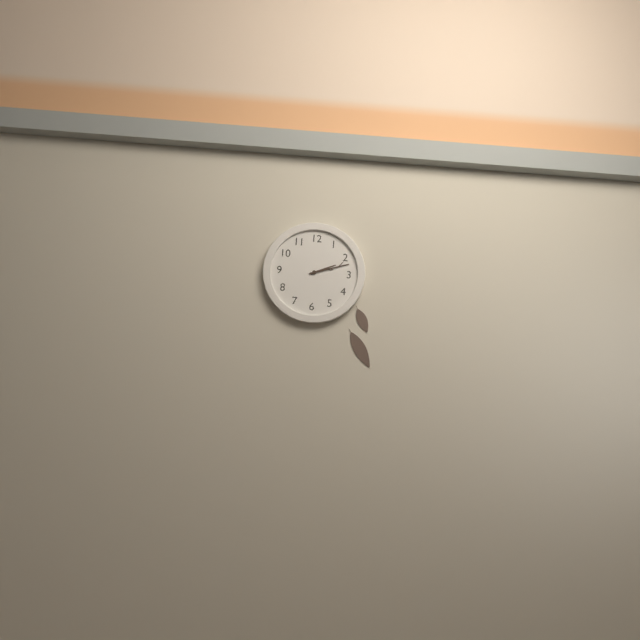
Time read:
2.12
